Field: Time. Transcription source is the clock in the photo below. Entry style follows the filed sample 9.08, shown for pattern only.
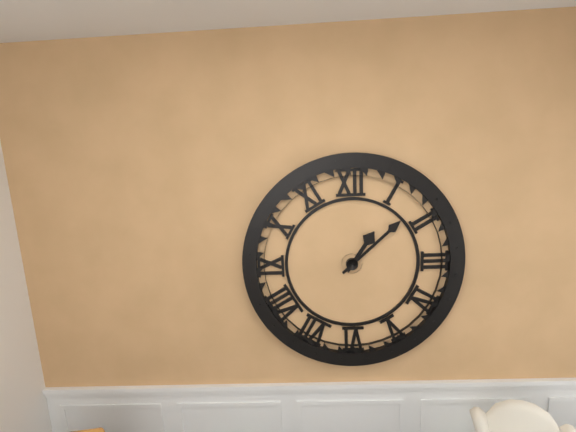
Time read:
1.08
